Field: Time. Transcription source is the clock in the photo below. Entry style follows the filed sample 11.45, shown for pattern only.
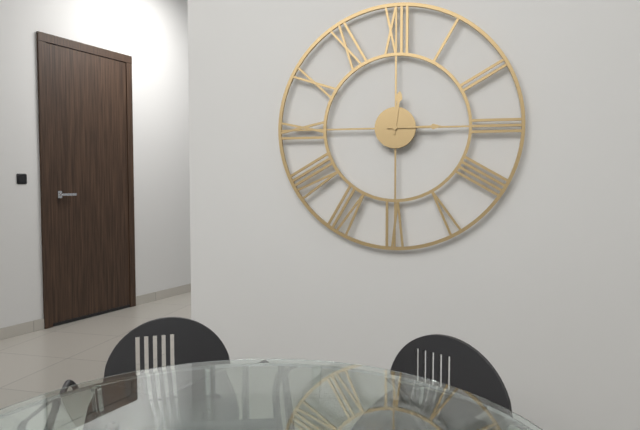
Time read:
12.15
